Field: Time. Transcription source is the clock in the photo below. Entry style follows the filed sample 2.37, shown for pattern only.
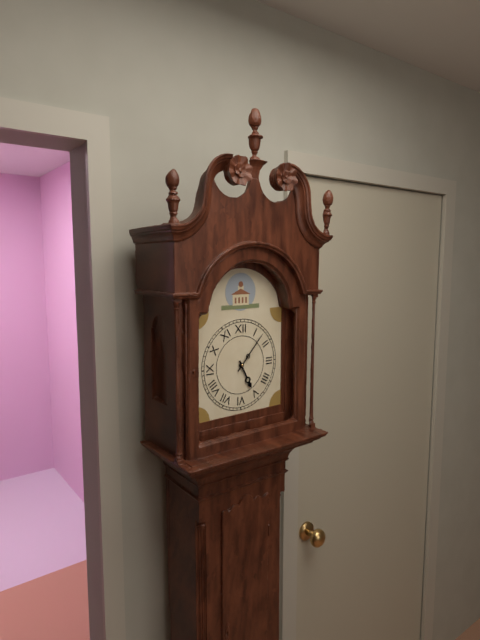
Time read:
5.07
